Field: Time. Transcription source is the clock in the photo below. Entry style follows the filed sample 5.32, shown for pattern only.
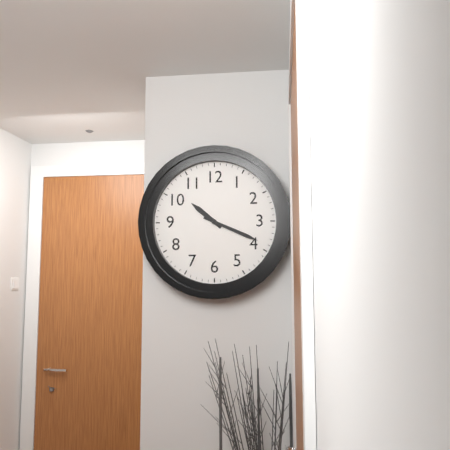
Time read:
10.19
